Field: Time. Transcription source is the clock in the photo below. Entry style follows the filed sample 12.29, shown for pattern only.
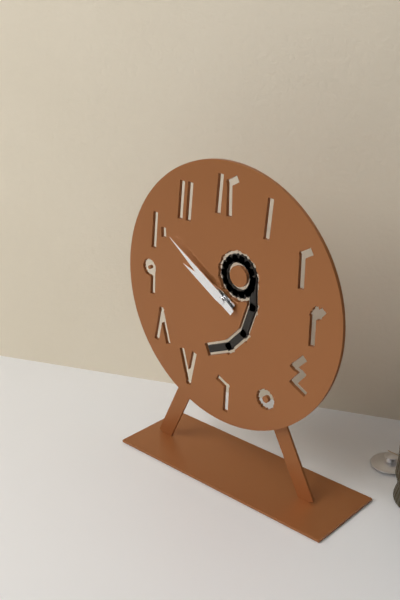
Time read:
9.51
